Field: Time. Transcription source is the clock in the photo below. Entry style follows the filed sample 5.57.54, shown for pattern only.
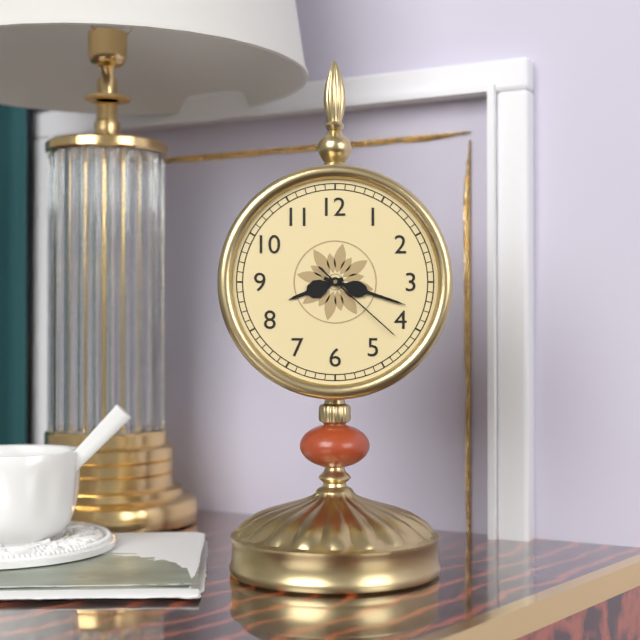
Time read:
8.18.22
